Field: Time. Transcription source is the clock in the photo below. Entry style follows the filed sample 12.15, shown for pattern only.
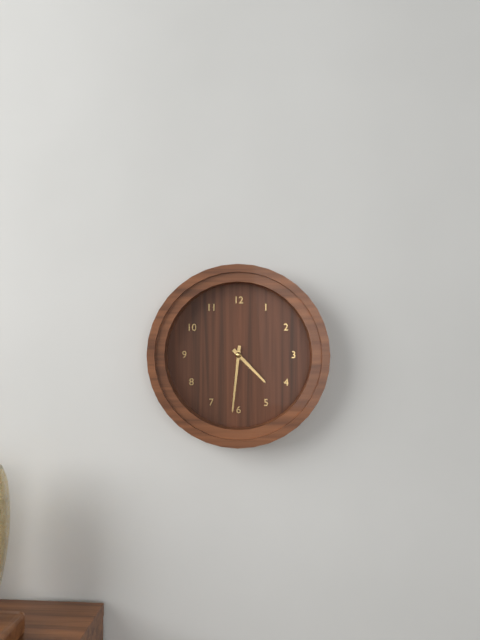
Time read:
4.31
